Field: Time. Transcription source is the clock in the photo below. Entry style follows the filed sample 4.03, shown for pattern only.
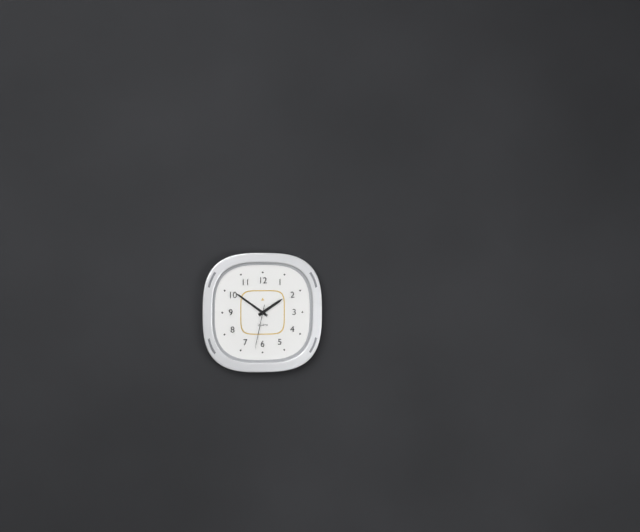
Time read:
1.51
